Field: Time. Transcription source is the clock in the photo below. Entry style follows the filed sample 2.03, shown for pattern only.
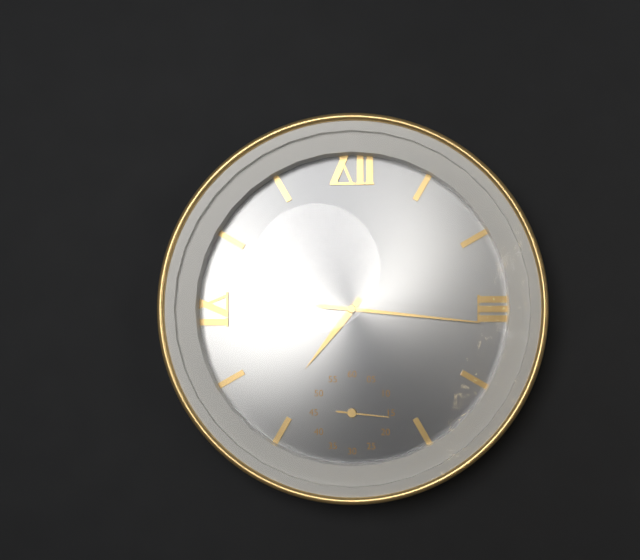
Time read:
7.16
